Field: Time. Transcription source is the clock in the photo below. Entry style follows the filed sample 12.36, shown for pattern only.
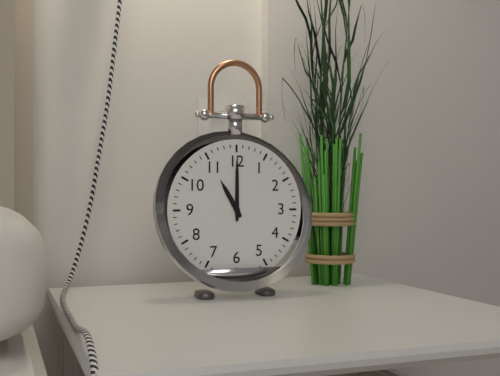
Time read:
11.00
